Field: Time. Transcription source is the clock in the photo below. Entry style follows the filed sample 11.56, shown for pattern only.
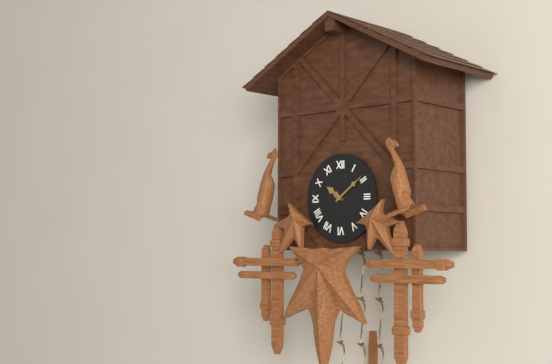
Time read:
10.09
